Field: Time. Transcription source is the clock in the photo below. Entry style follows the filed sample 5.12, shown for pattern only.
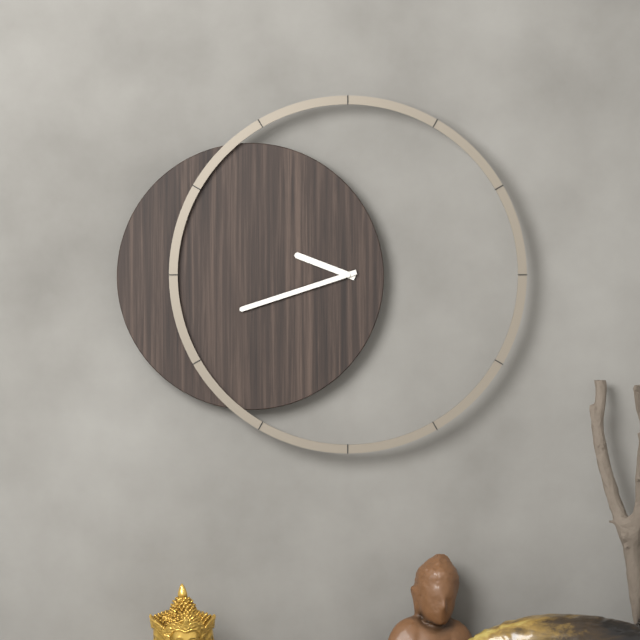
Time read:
9.42
